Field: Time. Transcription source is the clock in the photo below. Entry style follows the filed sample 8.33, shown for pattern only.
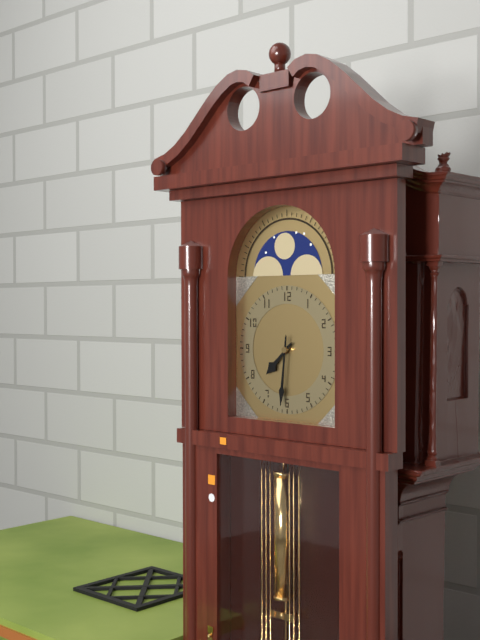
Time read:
7.31
